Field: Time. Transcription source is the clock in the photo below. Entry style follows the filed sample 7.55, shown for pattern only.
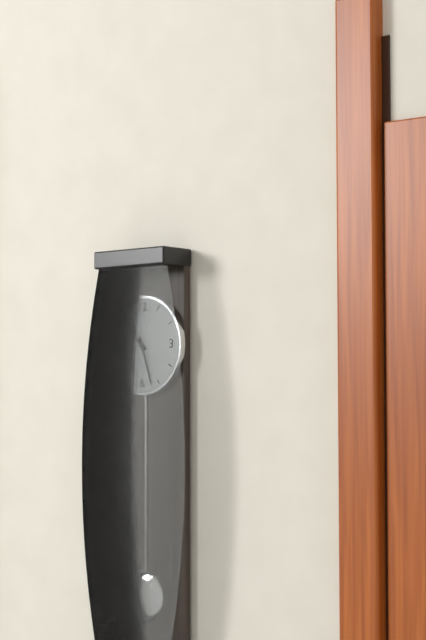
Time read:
10.27
